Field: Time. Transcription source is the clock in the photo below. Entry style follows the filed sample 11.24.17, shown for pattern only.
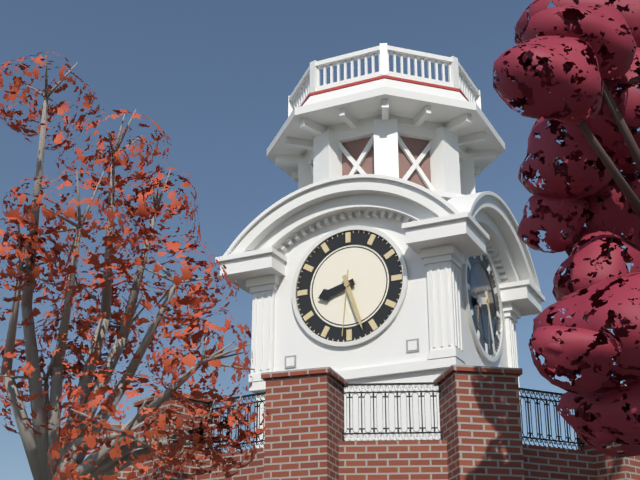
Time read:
8.27.31
